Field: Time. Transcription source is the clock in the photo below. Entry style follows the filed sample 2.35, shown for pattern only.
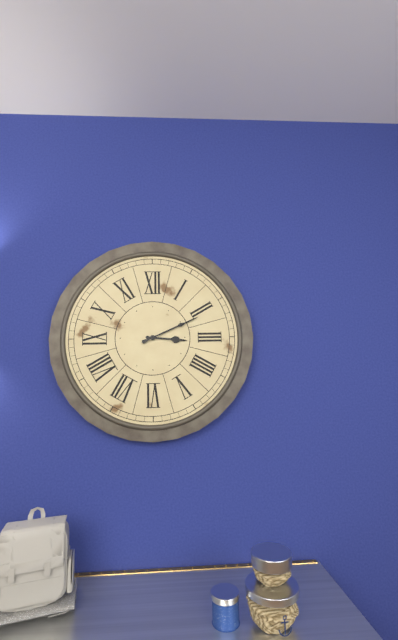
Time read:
3.11
